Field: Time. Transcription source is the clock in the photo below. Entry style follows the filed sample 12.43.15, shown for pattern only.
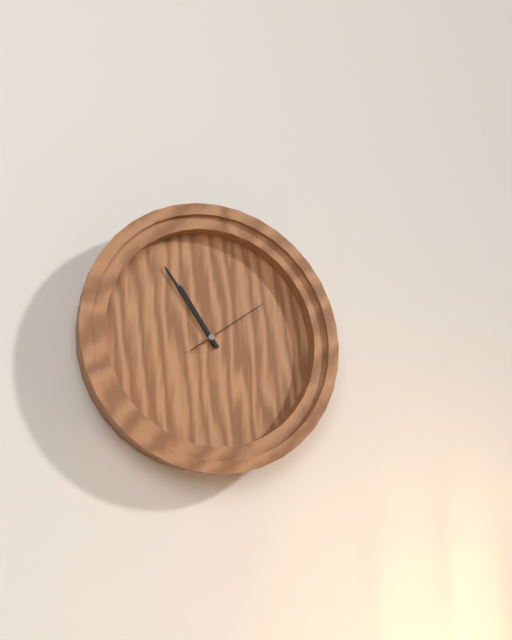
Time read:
10.54.09
